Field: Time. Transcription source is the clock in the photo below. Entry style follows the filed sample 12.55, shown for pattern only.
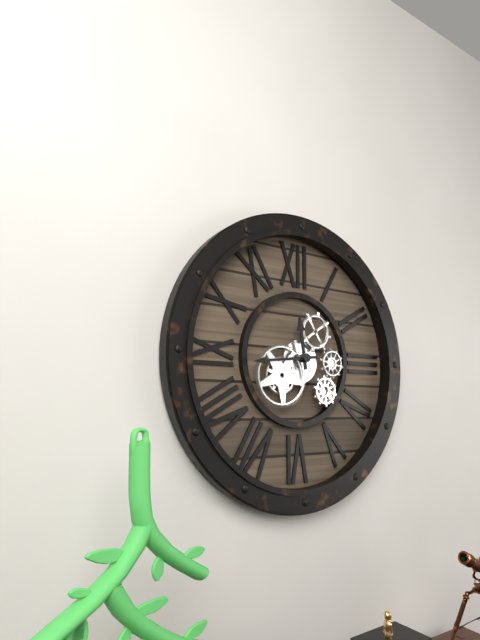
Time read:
11.44
